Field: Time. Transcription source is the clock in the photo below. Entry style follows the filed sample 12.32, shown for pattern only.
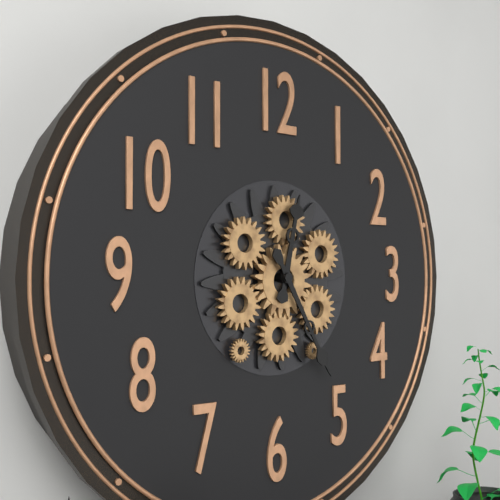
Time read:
12.25
